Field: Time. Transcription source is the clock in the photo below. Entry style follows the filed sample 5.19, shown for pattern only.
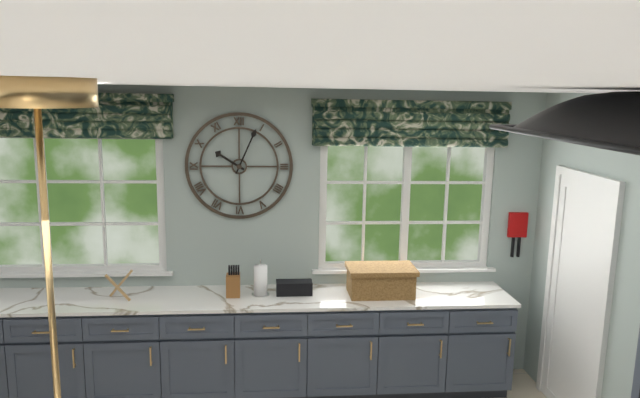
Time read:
10.04
